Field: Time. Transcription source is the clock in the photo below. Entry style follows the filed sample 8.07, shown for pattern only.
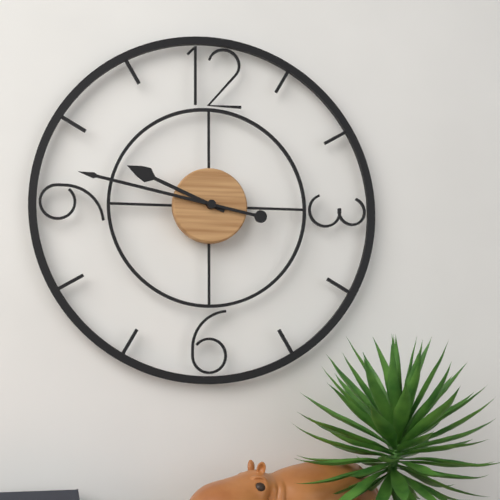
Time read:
9.47
